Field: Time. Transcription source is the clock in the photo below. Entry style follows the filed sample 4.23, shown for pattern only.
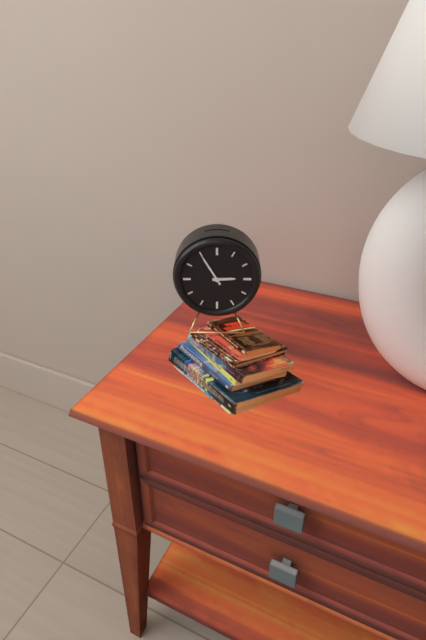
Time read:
2.55
